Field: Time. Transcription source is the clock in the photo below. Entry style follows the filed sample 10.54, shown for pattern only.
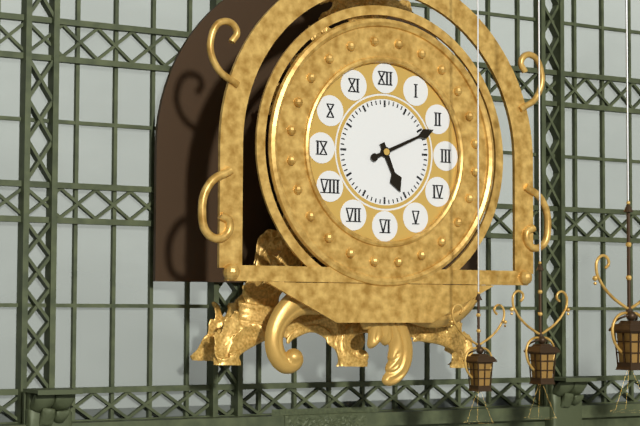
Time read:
5.11
